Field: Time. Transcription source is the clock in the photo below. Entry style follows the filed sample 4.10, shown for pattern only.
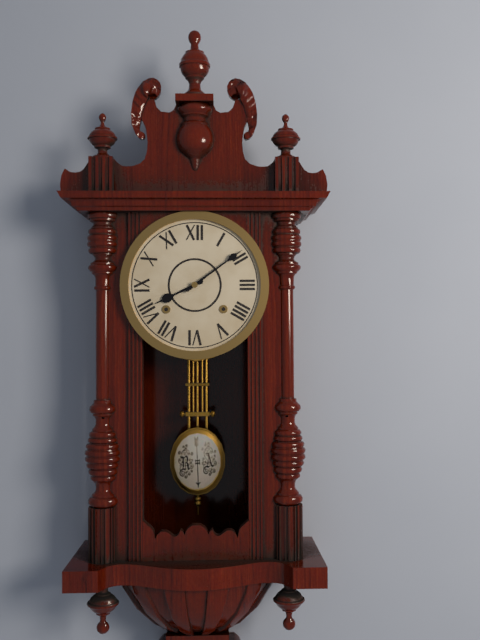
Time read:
8.09
